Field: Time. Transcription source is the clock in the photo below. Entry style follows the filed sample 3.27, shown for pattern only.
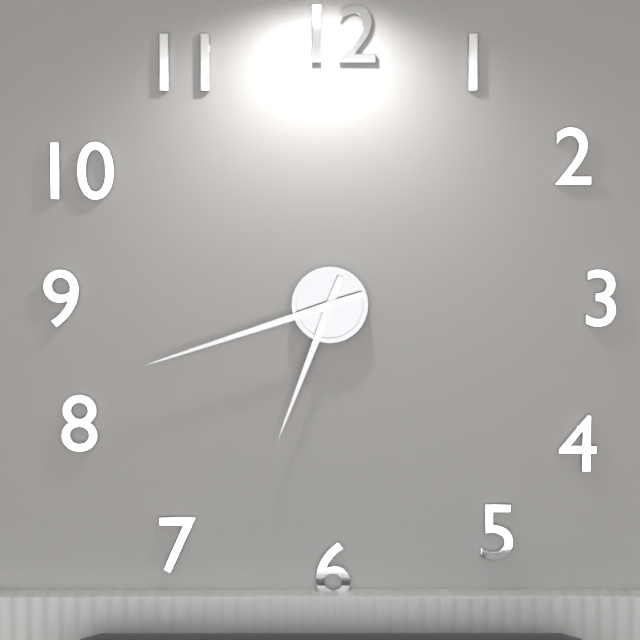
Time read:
6.42
